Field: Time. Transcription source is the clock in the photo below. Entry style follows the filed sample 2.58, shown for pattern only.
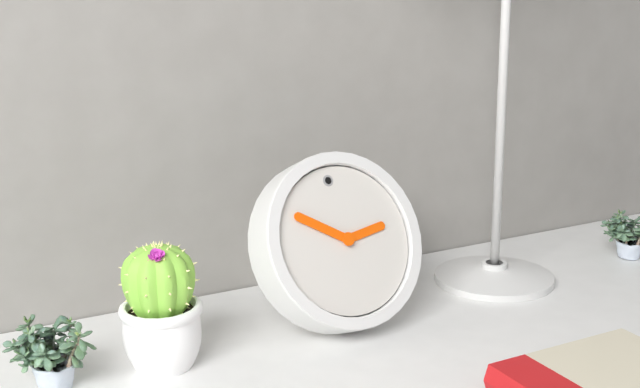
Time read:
2.51
